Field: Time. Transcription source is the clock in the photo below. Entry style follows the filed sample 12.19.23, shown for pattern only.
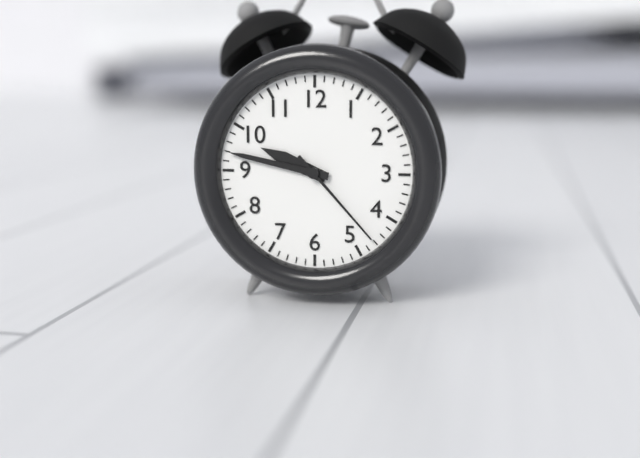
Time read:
9.47.23
